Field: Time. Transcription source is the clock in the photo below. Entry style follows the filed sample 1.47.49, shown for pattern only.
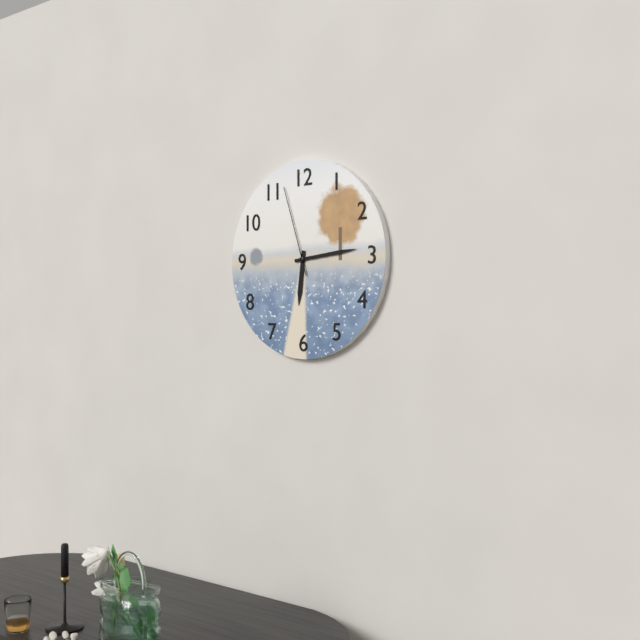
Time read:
6.14.57
